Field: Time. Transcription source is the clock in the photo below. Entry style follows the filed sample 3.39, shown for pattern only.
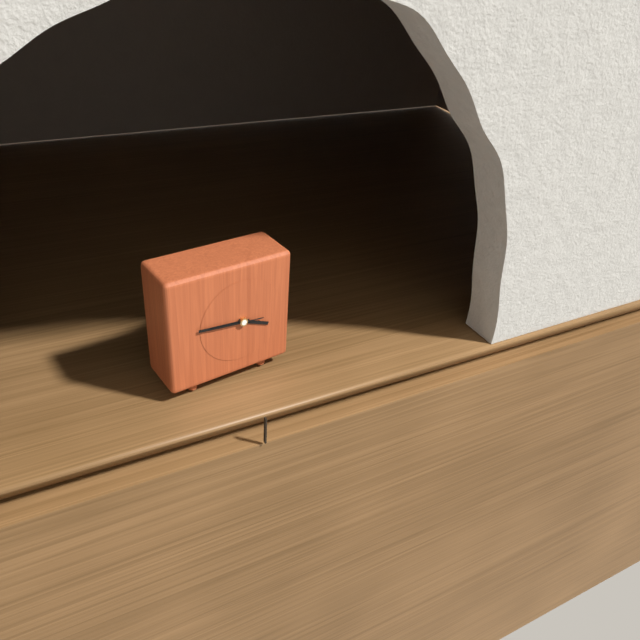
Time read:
3.46
